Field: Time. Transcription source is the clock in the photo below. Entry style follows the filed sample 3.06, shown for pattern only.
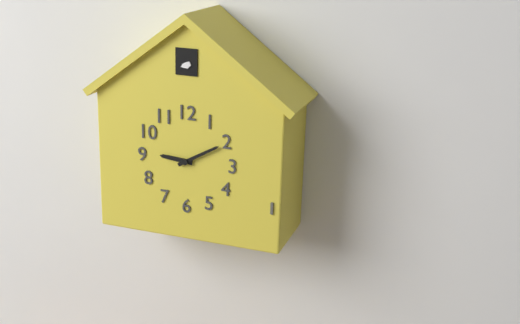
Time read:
9.10
